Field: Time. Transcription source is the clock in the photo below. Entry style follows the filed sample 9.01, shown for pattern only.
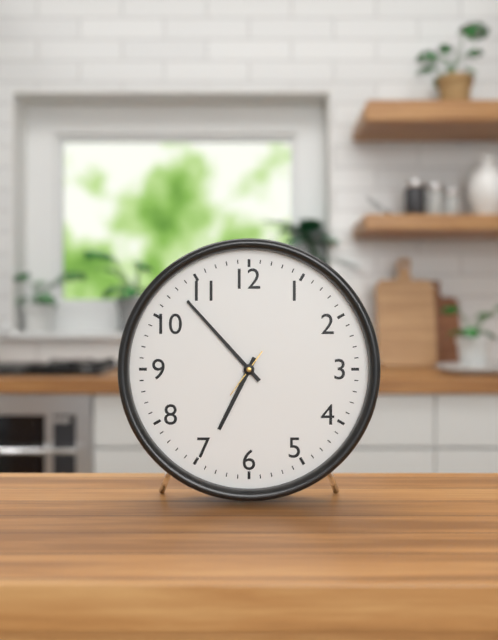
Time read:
6.53
